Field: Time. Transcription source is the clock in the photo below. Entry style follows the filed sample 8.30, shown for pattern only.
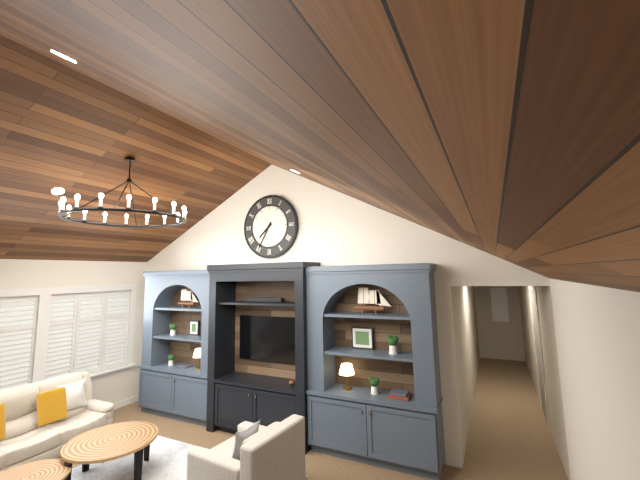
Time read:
7.35
